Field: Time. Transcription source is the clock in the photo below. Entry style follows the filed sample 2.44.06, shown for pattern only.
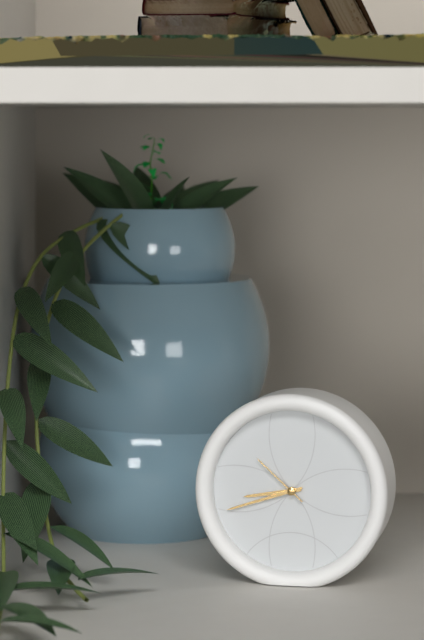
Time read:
8.42.52
